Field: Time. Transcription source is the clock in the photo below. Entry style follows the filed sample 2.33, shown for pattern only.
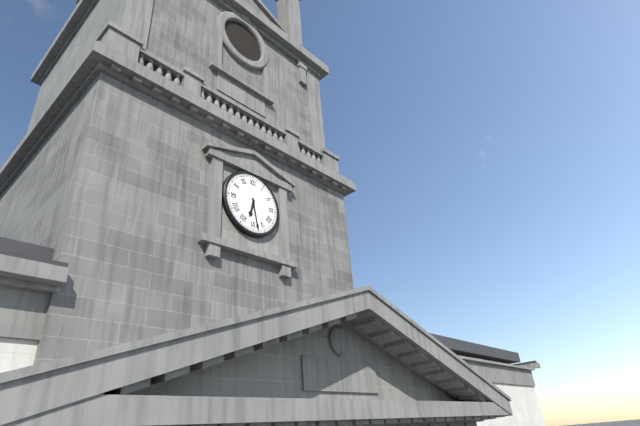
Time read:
6.28
